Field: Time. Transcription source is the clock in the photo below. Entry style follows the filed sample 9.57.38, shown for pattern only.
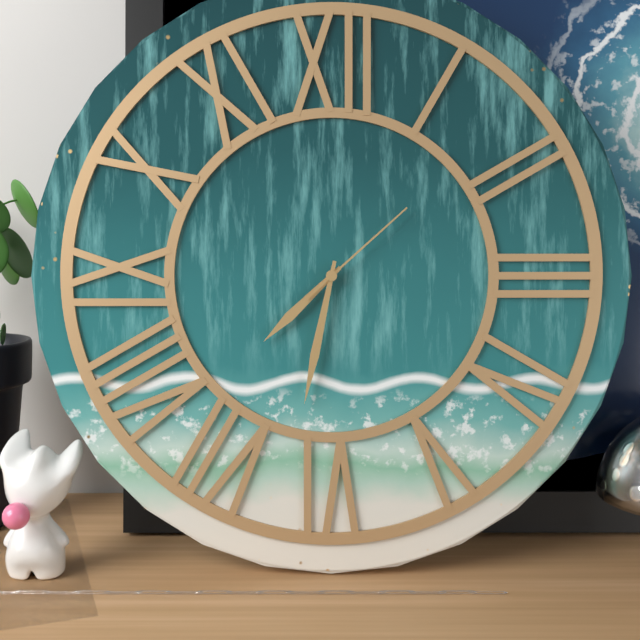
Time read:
7.32.08
